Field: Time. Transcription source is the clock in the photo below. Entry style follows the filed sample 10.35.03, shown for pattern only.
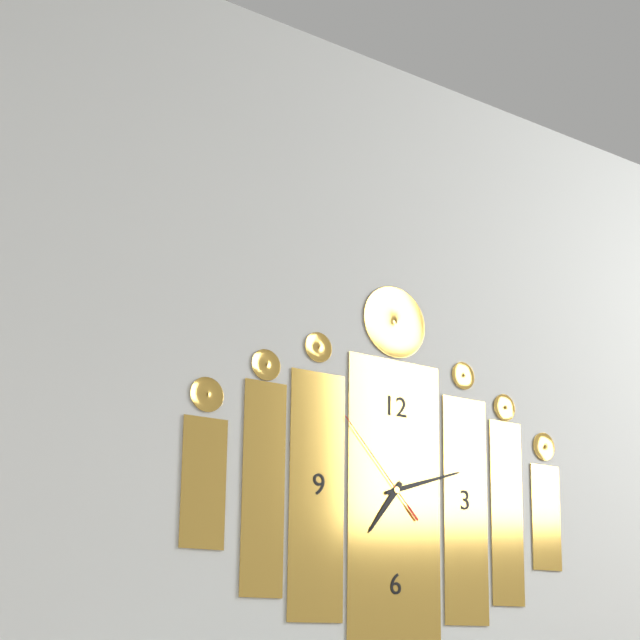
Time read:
7.12.53
